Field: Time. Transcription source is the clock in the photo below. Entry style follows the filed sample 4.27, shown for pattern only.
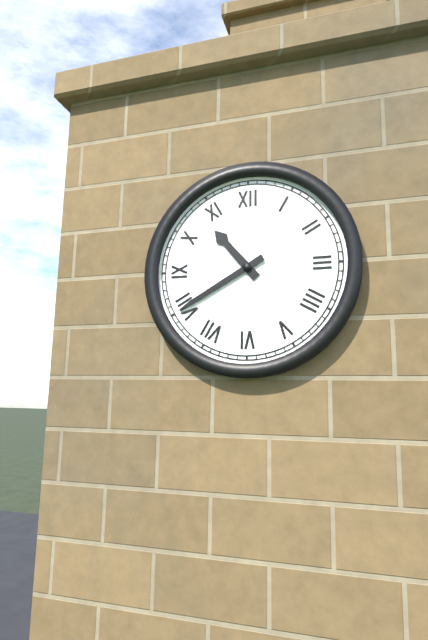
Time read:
10.40
